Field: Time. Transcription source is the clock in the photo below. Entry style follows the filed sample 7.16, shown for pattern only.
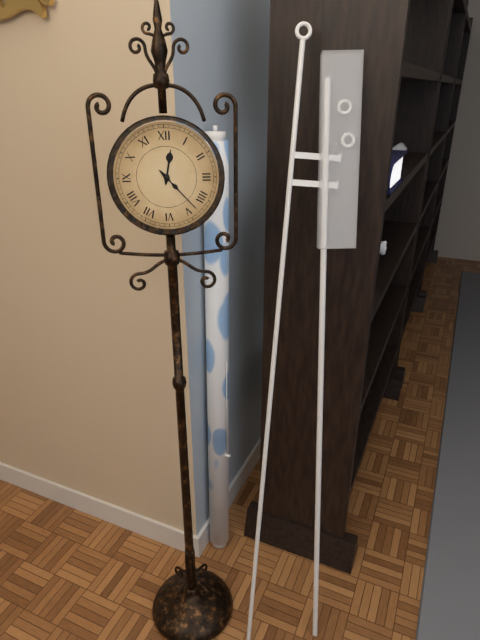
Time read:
12.23
